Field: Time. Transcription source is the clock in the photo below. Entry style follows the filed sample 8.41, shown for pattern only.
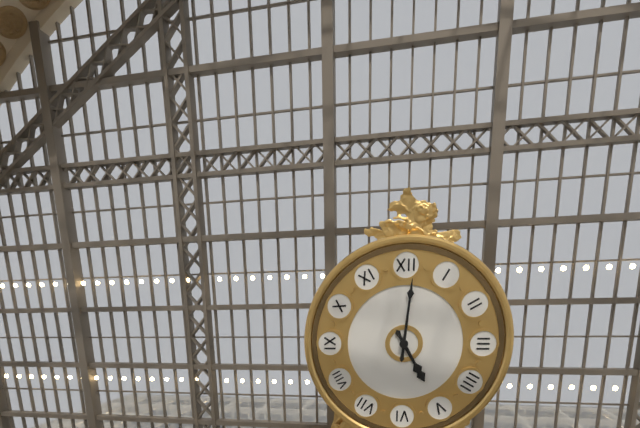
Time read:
5.01
